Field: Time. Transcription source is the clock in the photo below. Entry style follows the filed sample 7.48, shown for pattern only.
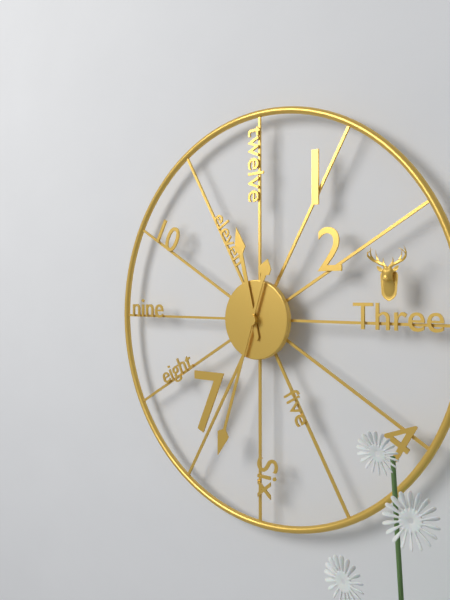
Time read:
11.33
